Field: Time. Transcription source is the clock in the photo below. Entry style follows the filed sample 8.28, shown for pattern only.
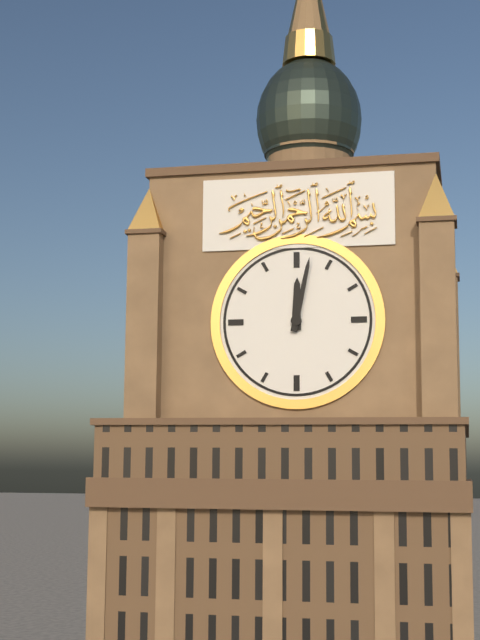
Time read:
12.02
